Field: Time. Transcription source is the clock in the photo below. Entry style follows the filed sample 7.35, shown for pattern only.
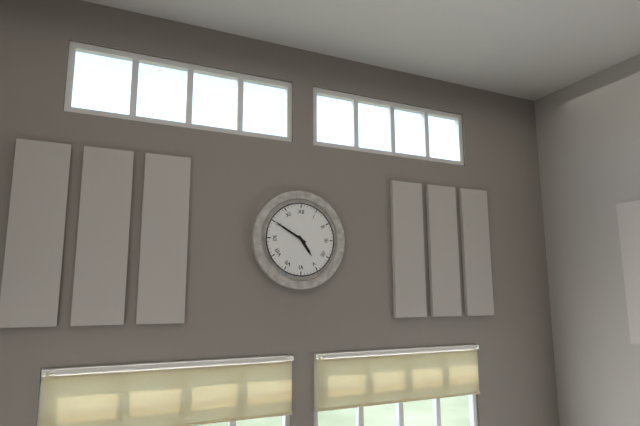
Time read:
4.50
